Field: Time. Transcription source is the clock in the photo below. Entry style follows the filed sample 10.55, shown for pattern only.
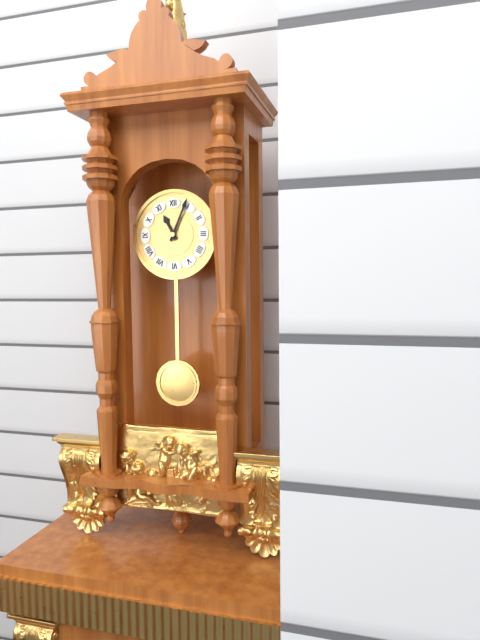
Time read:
11.04
